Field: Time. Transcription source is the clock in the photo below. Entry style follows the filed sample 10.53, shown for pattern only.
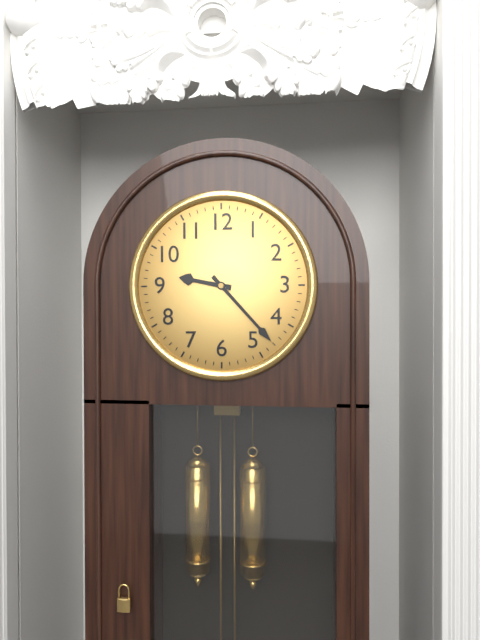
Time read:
9.23
